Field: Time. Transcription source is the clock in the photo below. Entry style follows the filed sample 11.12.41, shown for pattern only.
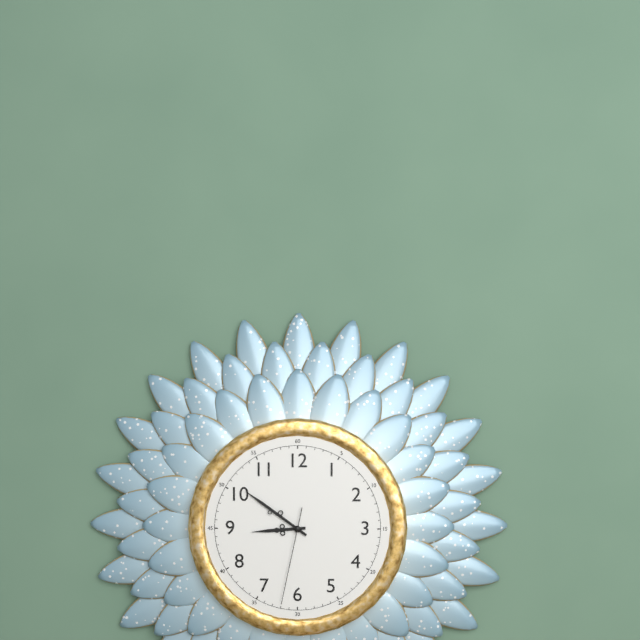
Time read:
8.51.32
